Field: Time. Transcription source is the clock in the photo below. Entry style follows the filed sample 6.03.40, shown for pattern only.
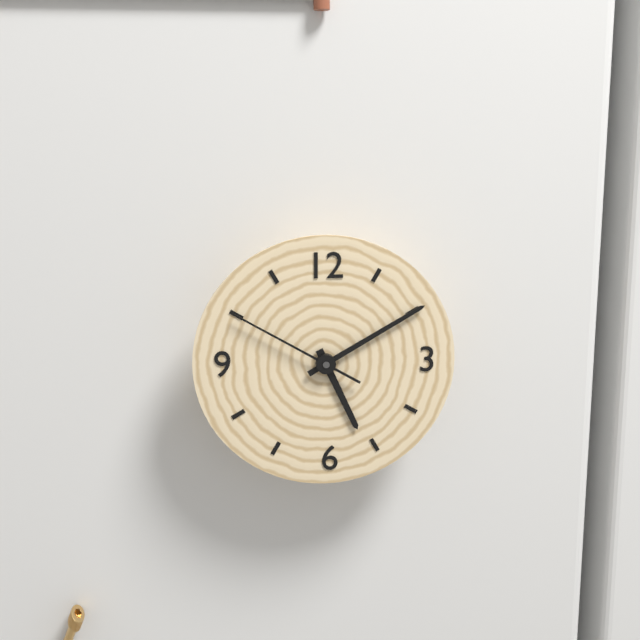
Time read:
5.10.50
